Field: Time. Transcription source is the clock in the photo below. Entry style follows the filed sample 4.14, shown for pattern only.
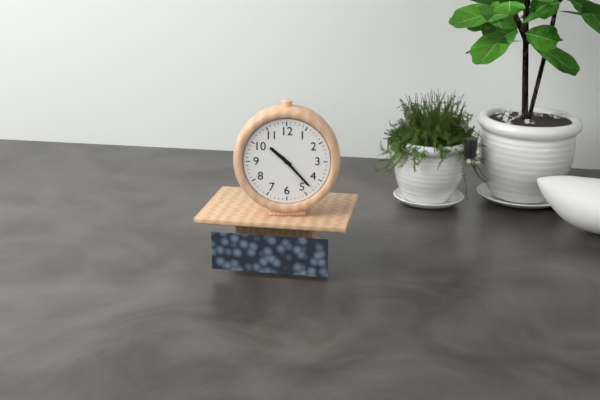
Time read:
10.23
